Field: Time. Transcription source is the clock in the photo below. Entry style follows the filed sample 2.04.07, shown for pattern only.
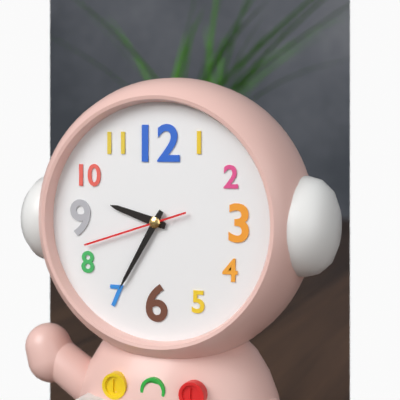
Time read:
9.35.42
